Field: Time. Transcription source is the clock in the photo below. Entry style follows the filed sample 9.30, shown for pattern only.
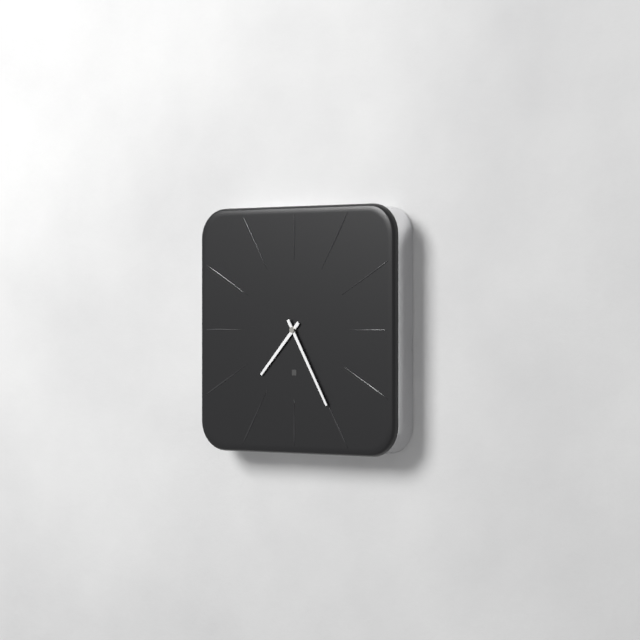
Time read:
7.25
